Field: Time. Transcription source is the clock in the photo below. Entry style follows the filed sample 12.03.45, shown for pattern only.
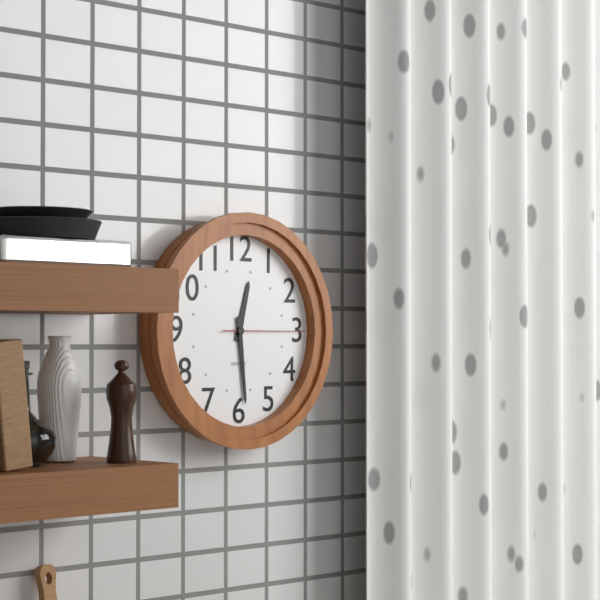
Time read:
12.29.15
